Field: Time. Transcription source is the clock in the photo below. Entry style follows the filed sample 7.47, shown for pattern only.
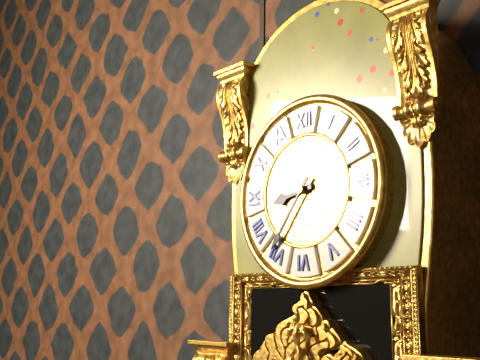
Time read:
8.36
